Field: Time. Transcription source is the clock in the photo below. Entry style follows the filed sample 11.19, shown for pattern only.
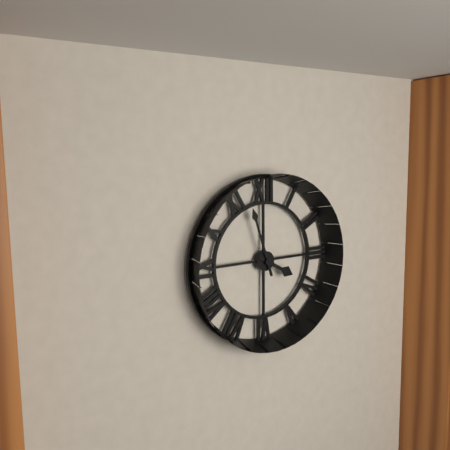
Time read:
3.57
